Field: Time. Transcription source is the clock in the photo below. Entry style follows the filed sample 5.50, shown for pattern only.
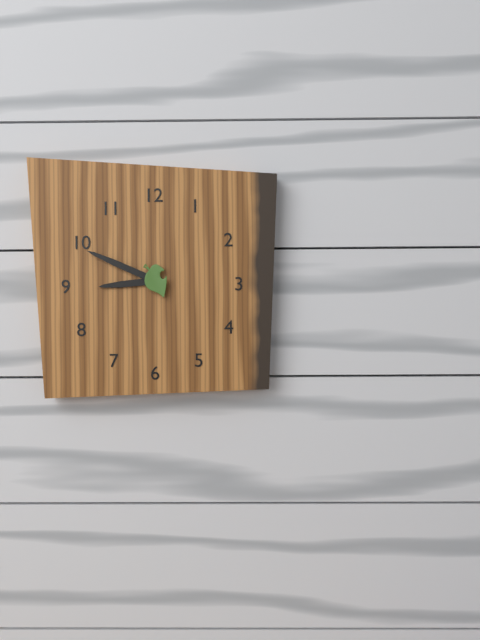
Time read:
8.49
